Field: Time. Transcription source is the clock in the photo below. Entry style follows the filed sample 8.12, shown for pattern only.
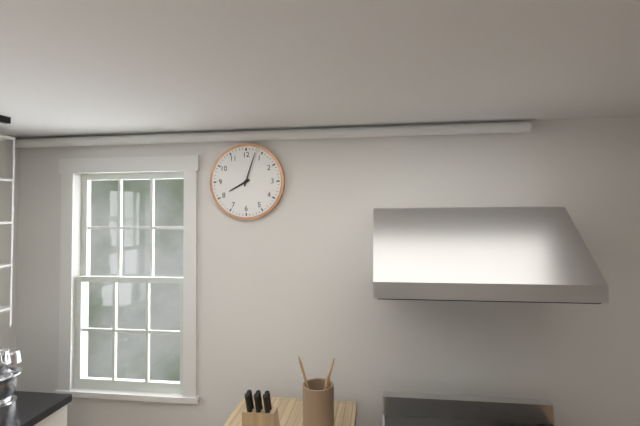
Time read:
8.03
